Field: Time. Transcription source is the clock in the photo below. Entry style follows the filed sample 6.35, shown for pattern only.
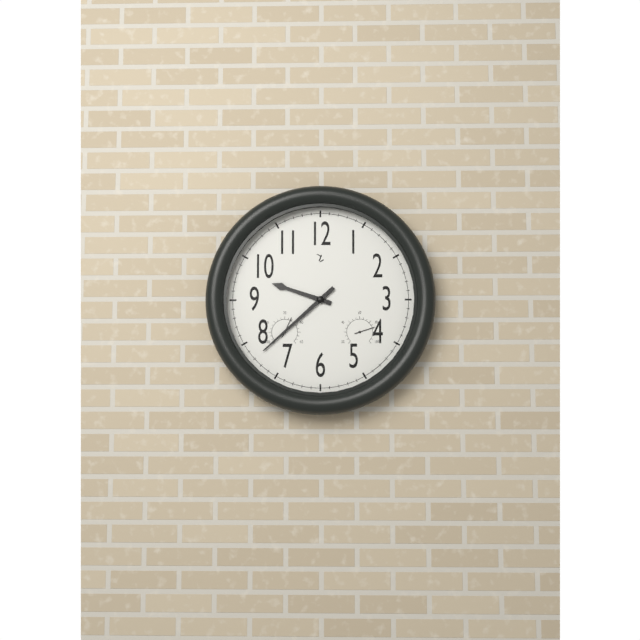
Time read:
9.38
